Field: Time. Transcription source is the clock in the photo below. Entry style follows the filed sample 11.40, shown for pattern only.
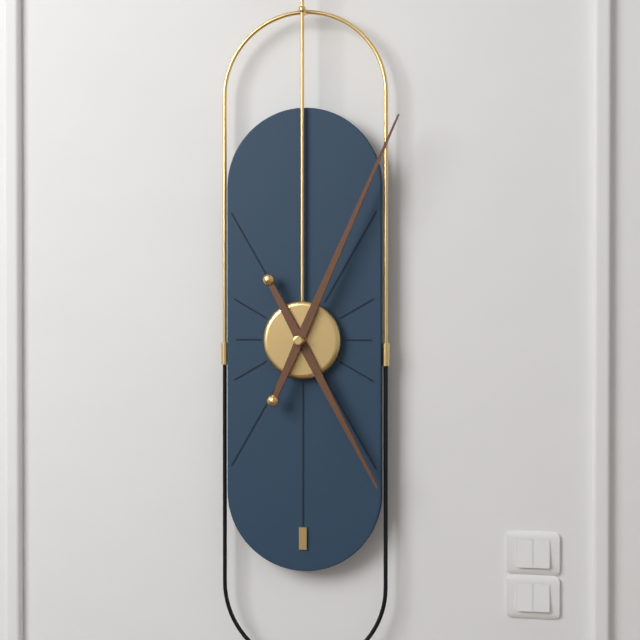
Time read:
5.04
